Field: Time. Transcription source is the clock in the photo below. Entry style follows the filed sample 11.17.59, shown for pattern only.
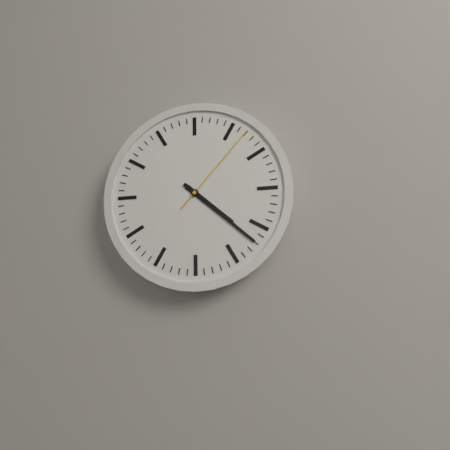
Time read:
4.22.07
